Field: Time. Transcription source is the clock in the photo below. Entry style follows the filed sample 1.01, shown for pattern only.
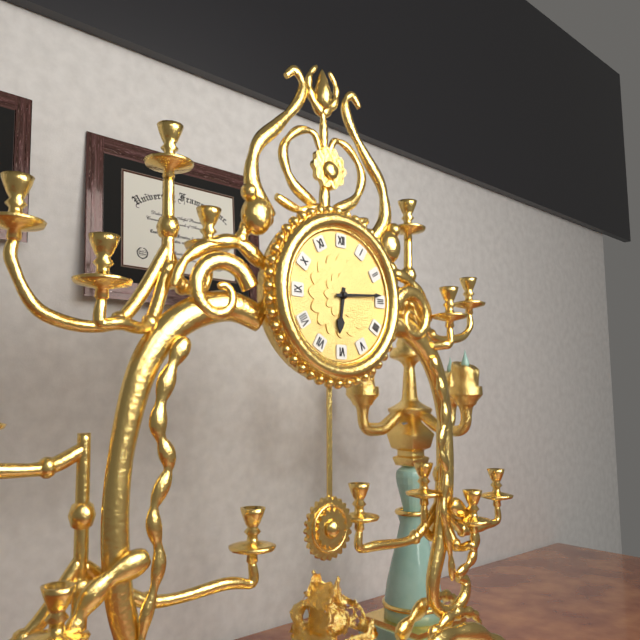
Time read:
6.14
